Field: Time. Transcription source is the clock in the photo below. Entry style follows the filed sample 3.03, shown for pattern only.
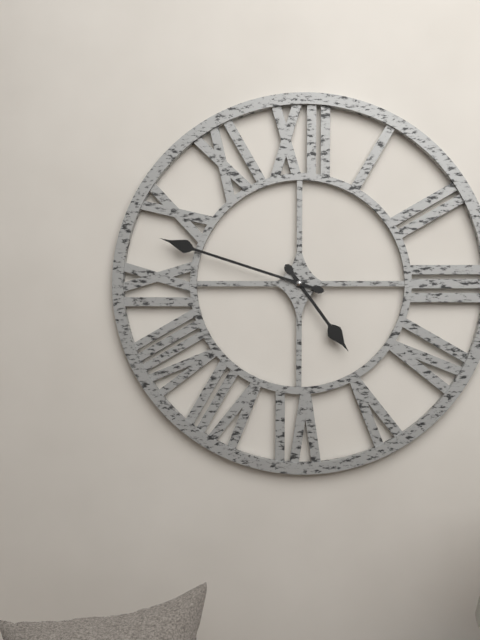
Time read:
4.48
